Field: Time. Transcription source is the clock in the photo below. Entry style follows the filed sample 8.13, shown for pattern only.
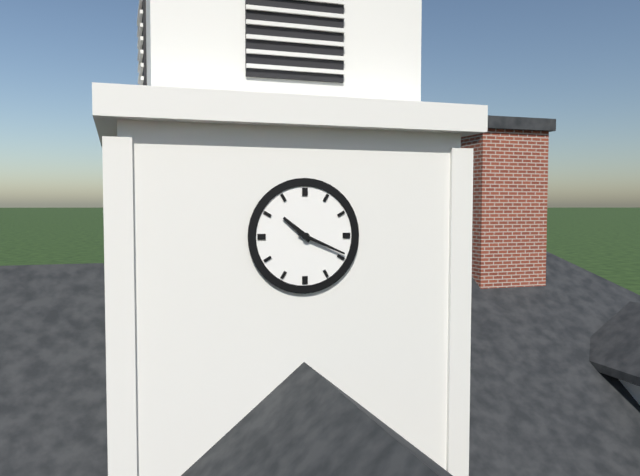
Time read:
10.19
